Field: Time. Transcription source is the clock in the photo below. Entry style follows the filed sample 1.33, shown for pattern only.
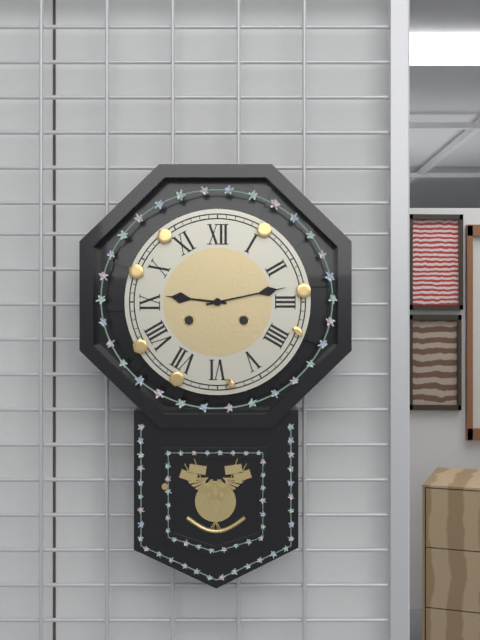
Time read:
9.13
